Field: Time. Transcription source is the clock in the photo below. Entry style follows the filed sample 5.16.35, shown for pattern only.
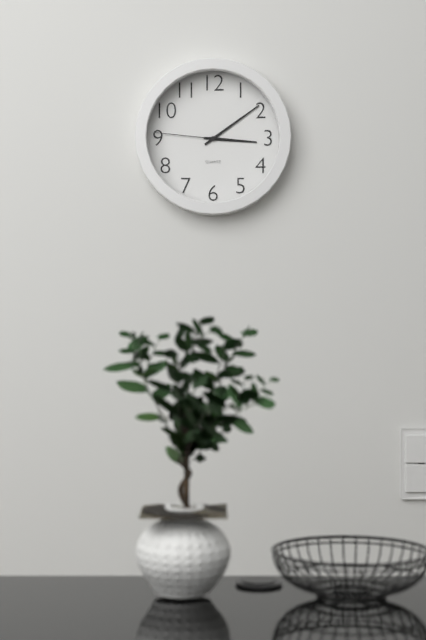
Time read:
3.09.46
